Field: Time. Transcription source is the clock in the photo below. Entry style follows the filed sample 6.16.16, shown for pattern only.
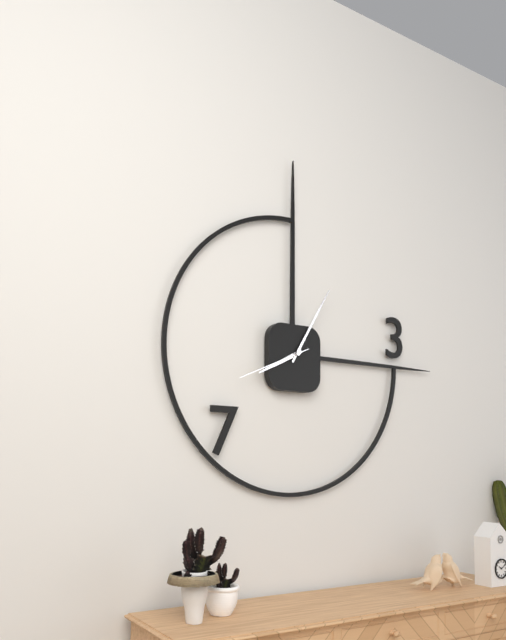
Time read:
8.05.41
